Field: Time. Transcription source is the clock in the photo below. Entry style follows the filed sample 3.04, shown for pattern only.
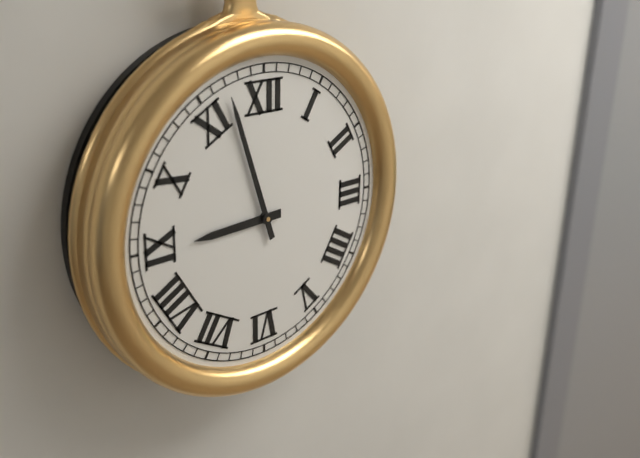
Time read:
8.57
